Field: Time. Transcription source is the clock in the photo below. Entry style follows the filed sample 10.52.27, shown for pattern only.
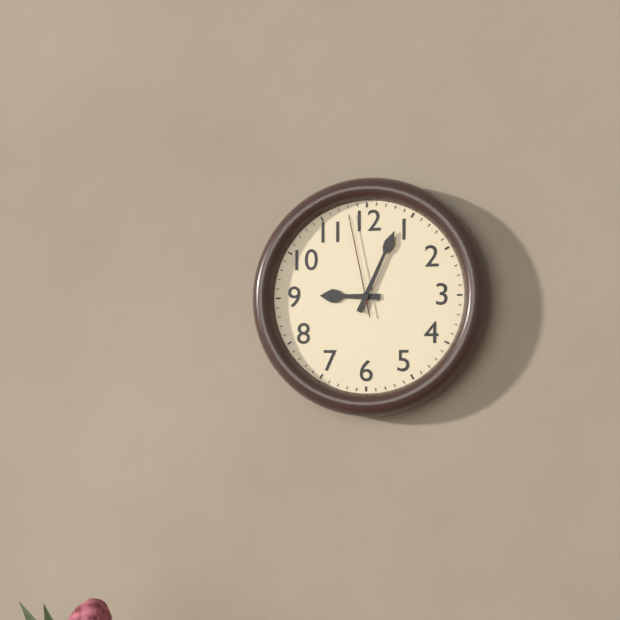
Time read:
9.04.58
